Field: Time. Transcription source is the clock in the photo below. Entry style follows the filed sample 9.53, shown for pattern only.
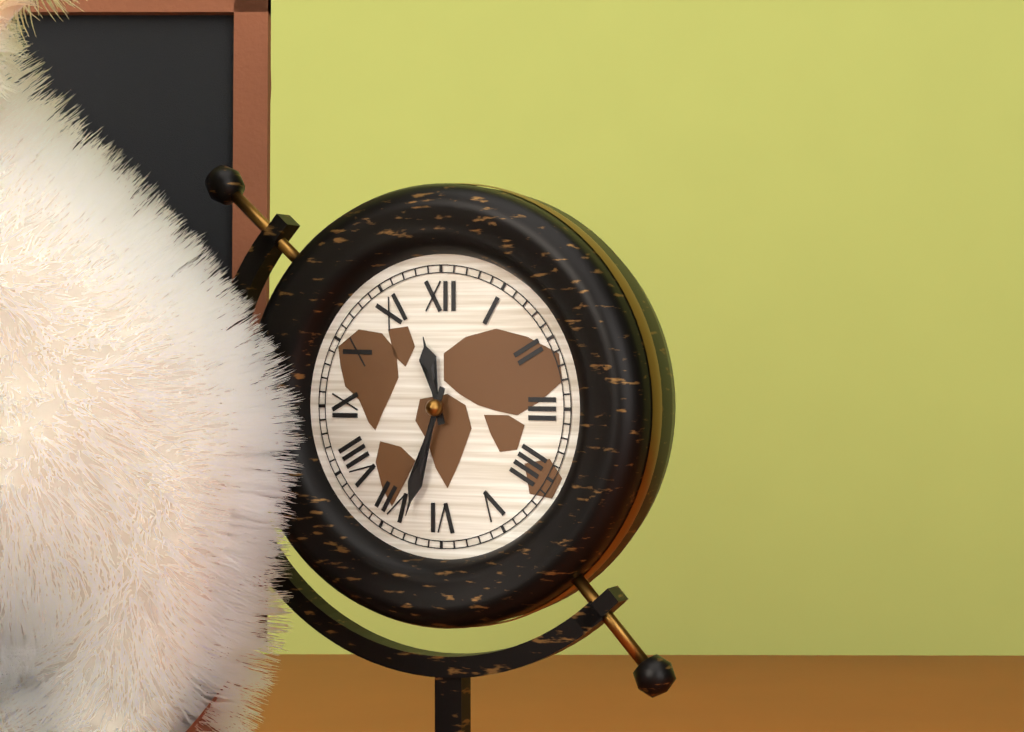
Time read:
11.33
